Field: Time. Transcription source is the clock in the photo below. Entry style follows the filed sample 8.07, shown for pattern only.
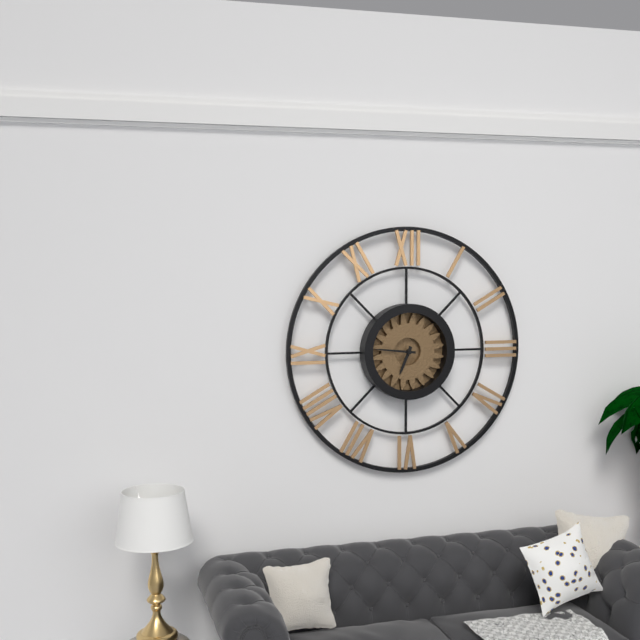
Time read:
6.46
